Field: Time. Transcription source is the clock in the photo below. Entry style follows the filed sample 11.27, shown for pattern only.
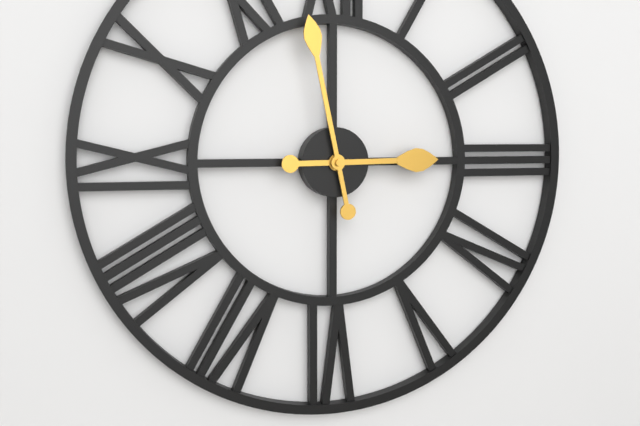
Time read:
2.58
